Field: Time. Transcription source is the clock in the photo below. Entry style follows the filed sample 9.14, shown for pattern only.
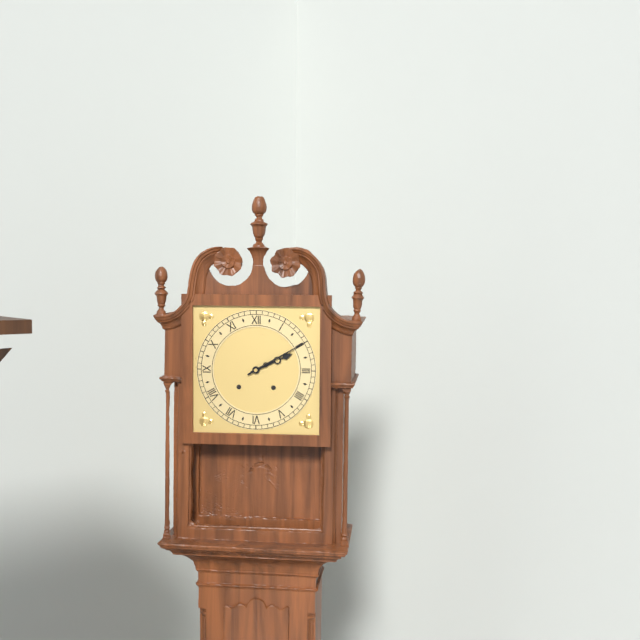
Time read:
2.10
